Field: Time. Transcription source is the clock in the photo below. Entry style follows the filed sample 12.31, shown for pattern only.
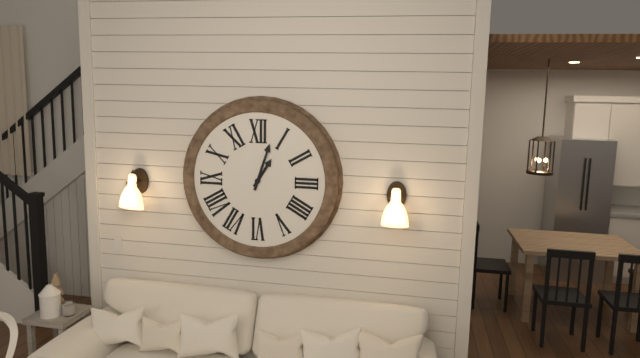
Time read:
1.03
